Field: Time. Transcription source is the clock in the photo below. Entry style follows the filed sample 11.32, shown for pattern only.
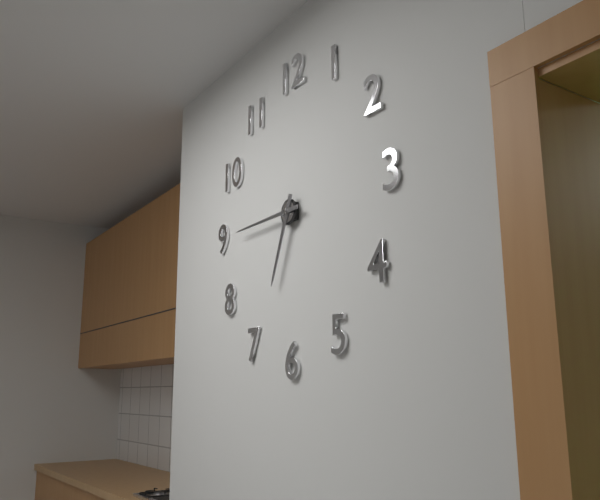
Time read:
6.45
